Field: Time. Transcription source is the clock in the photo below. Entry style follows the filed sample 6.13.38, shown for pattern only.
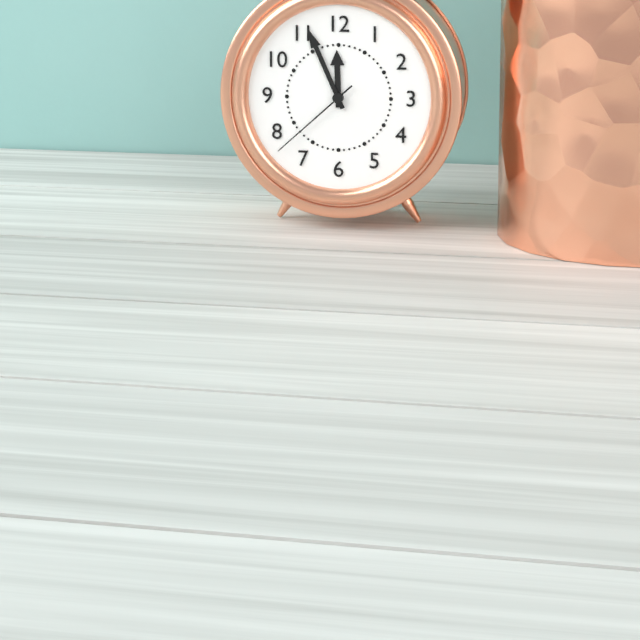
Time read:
11.56.38
